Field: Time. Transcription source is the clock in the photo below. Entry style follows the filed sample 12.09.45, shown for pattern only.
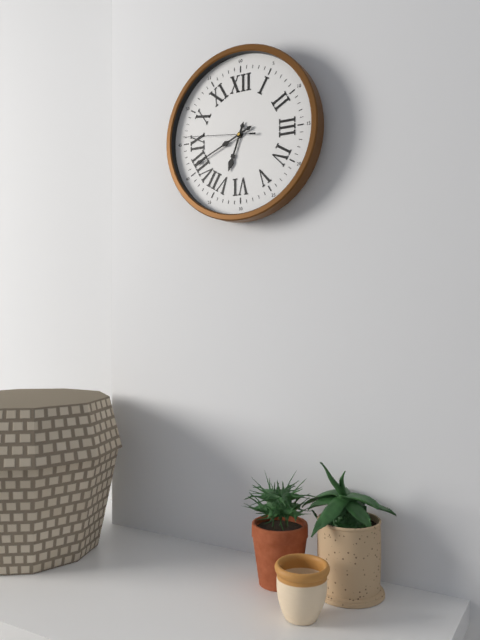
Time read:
6.41.46
